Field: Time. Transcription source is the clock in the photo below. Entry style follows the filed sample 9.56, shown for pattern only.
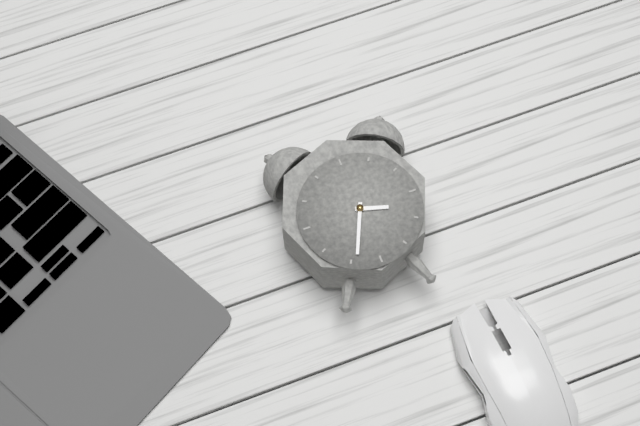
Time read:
3.34
